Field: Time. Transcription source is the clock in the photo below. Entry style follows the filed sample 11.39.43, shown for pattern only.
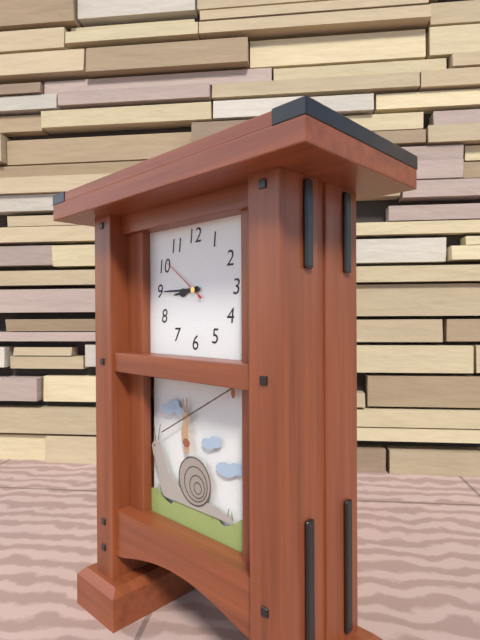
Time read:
8.45.51
